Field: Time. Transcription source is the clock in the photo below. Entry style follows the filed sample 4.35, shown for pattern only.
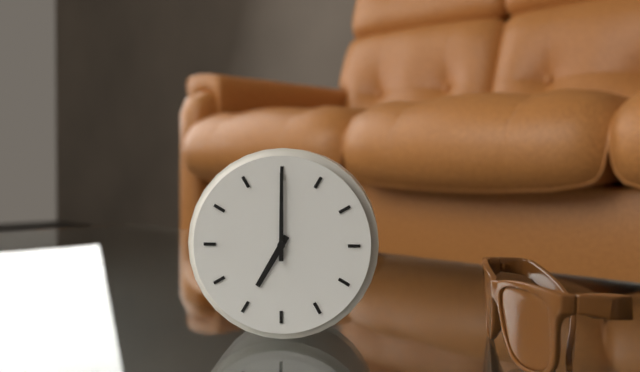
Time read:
7.00
